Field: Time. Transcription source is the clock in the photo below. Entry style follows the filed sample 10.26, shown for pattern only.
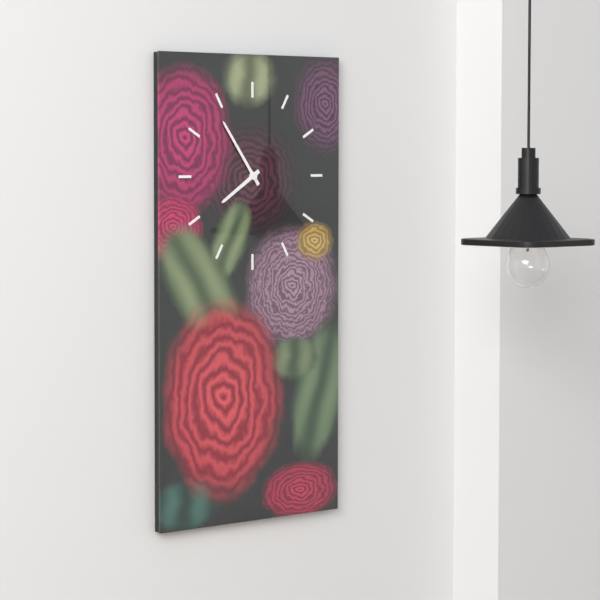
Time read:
7.54
